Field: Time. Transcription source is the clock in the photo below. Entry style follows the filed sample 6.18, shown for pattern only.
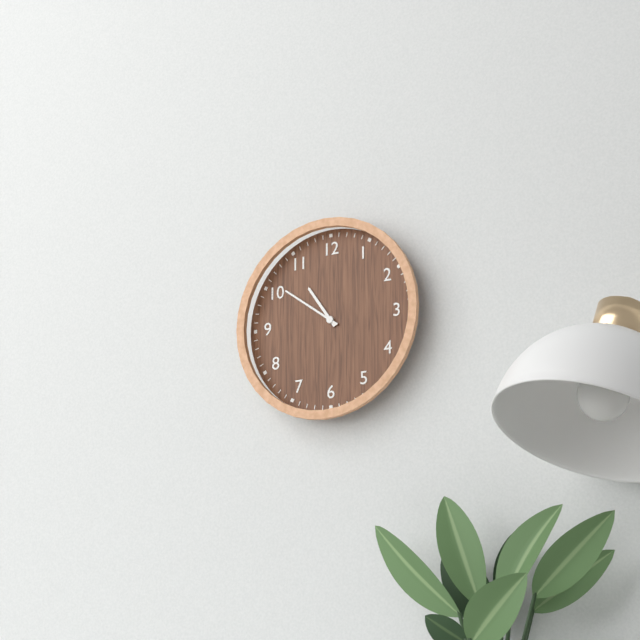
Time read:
10.51
